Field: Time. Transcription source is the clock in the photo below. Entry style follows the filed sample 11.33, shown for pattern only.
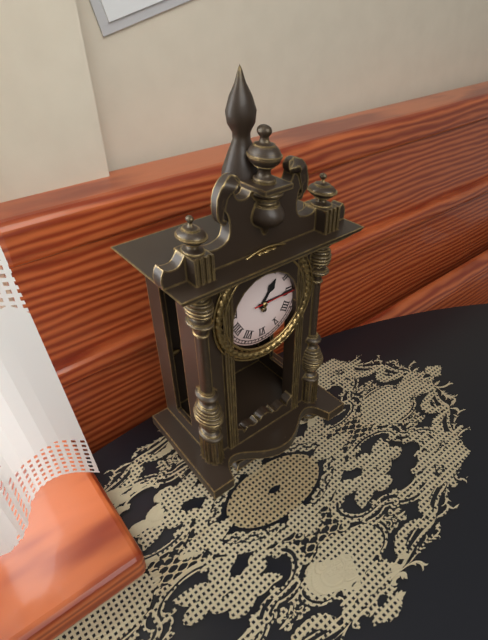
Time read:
1.15
